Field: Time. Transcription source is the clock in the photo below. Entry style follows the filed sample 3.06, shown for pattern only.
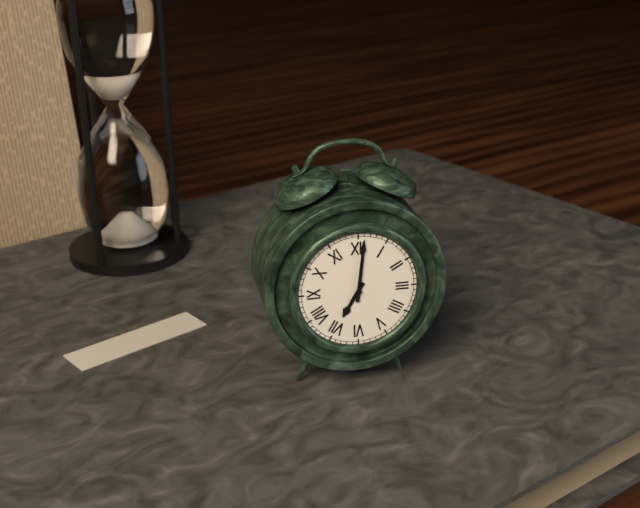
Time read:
7.01
